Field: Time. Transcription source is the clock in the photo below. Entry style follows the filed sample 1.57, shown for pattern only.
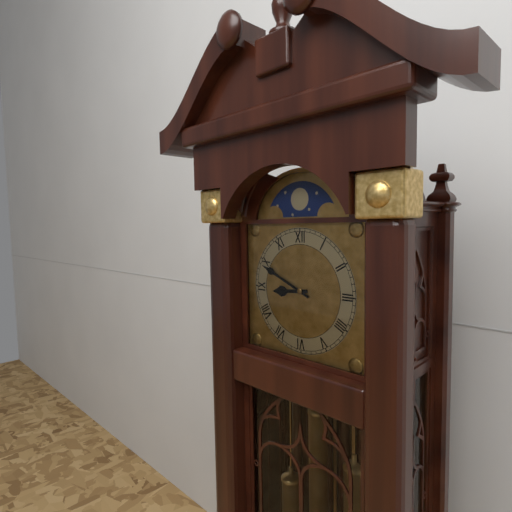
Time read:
8.49
